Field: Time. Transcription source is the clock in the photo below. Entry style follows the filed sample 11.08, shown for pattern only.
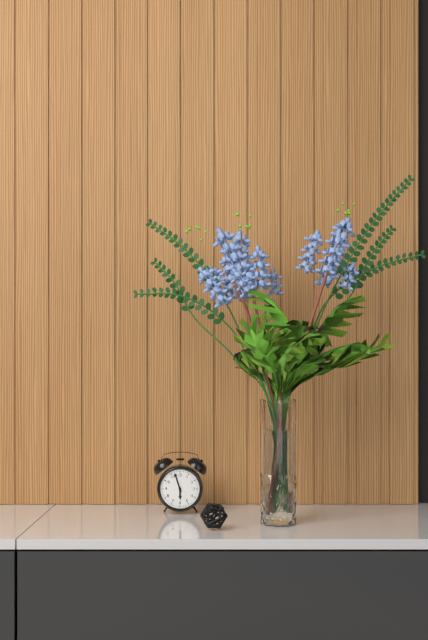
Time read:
5.57
